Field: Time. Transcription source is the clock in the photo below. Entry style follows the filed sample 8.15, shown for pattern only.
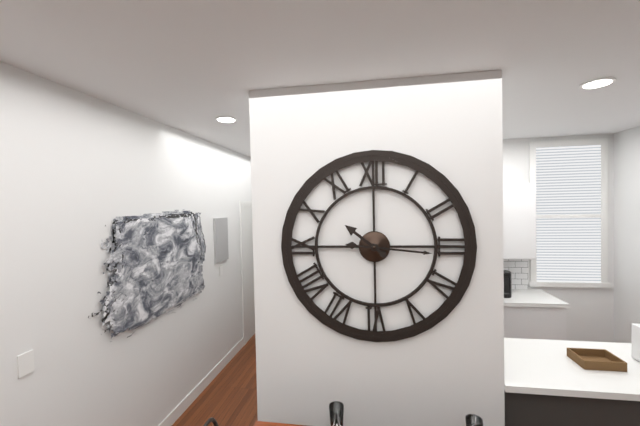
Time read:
10.16
